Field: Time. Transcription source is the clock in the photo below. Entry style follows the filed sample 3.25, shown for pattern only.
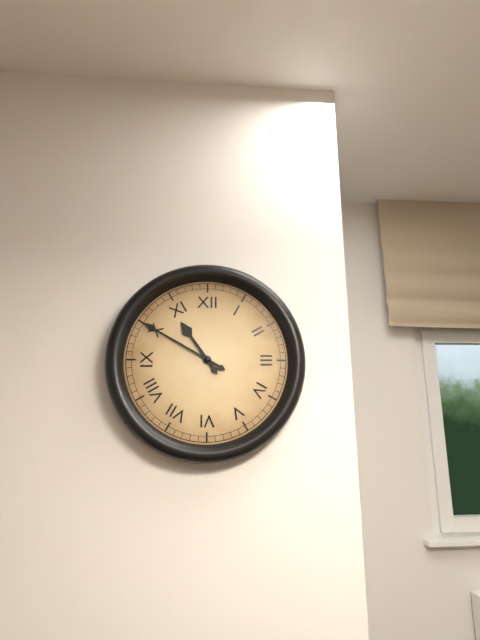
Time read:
10.50
